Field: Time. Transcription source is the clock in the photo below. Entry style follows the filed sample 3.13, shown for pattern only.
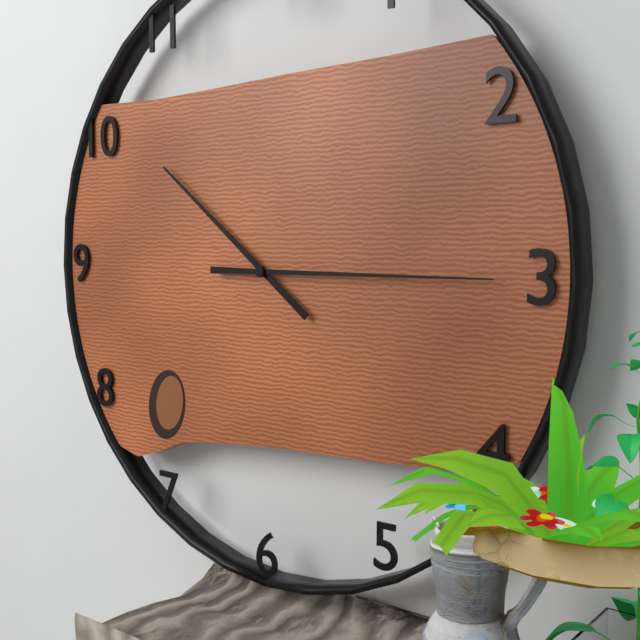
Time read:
10.15
